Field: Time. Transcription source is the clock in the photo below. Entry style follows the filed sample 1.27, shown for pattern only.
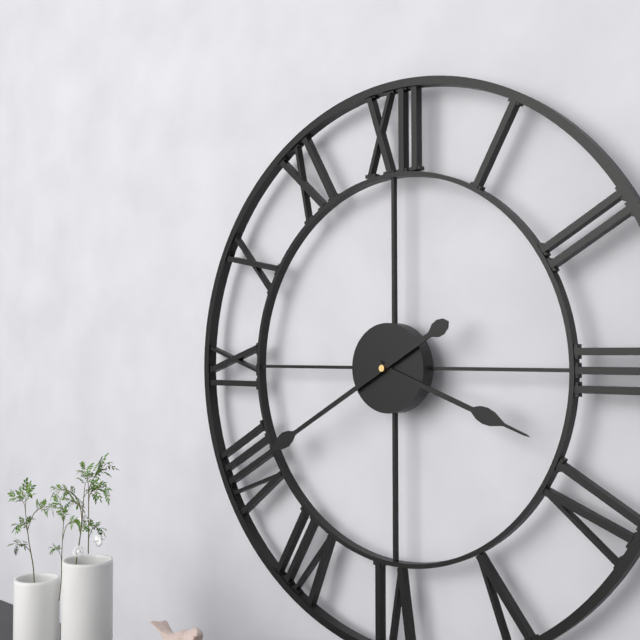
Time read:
3.40
